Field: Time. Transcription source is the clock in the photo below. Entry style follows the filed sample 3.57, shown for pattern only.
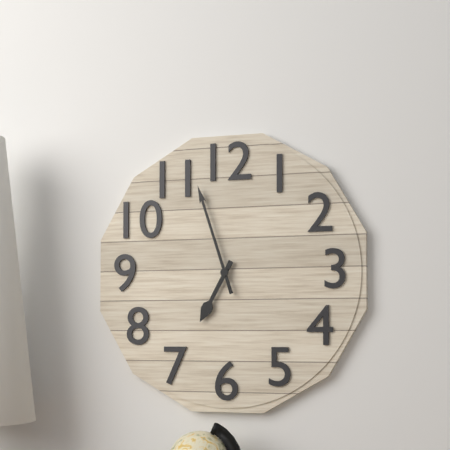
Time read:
6.57
